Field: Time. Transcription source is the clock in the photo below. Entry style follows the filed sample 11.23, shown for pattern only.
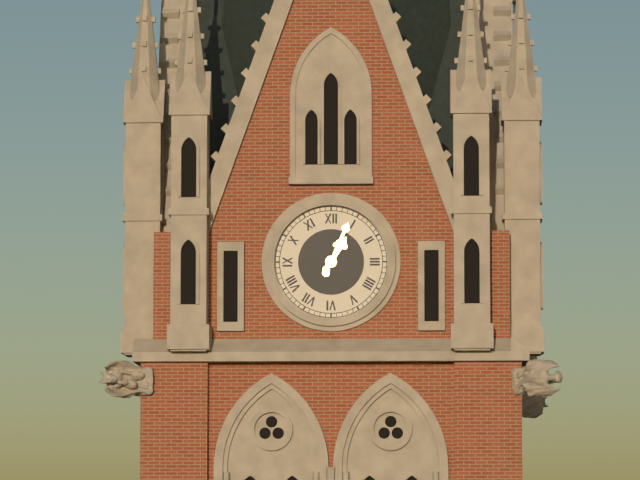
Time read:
1.04
